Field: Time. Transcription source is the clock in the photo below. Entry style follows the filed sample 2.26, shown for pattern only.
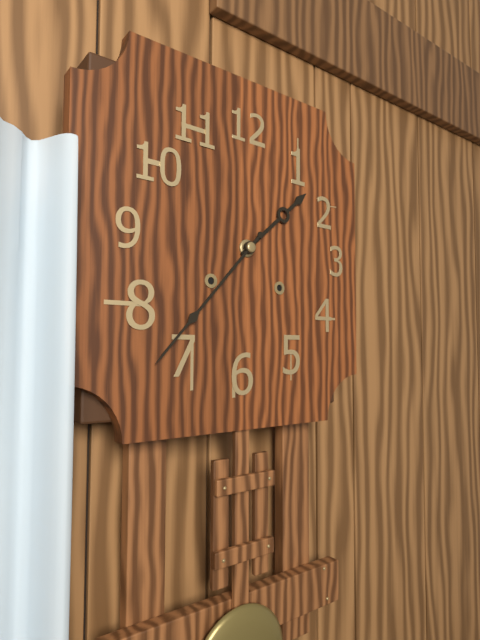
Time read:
1.37
